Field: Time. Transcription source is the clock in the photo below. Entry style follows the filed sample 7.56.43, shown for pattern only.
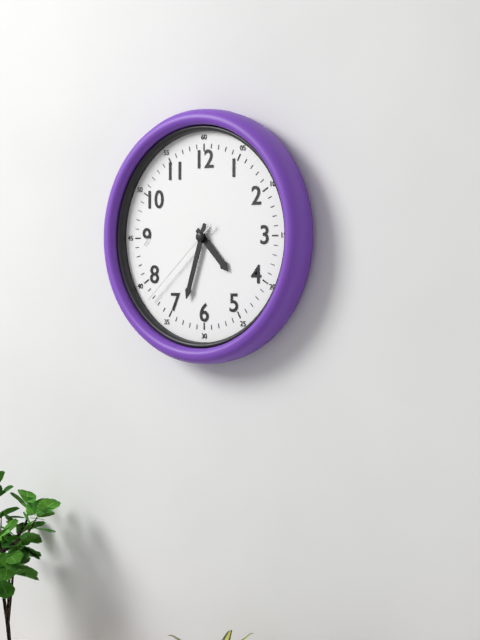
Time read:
4.33.38
